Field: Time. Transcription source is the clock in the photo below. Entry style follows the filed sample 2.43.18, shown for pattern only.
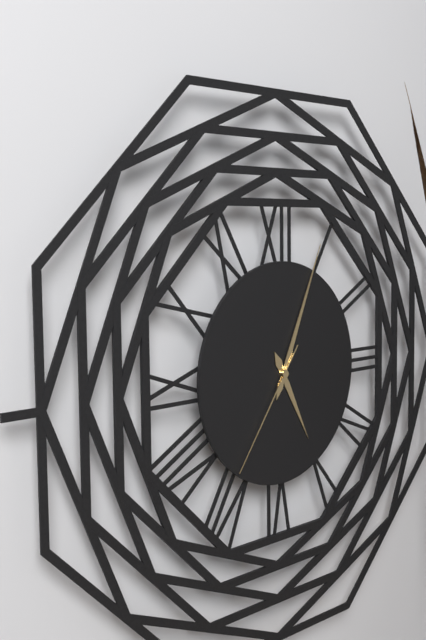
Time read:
5.04.36
